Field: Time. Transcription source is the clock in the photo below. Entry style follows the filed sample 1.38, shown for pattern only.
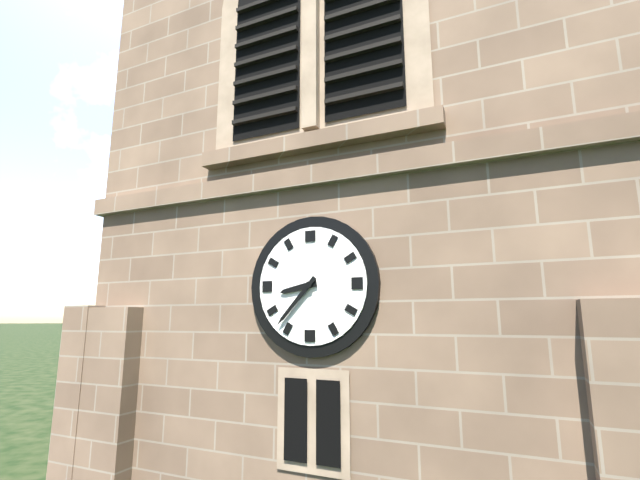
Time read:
8.37
